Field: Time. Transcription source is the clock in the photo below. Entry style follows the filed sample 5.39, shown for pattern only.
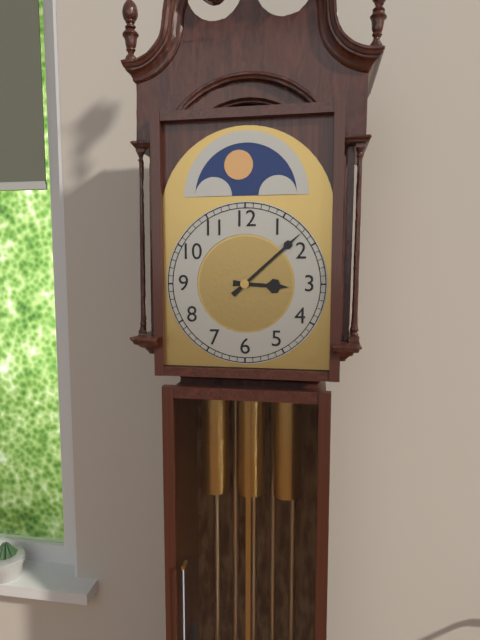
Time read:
3.08
